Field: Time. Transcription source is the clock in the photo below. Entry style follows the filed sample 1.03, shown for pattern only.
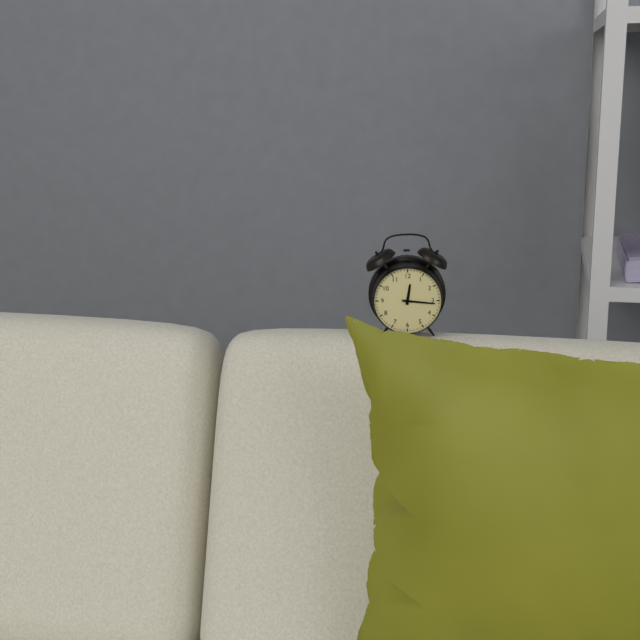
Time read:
12.16
